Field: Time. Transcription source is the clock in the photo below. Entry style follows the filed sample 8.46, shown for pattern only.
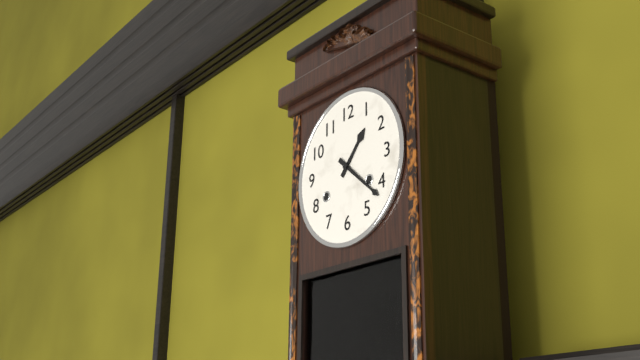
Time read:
1.22
